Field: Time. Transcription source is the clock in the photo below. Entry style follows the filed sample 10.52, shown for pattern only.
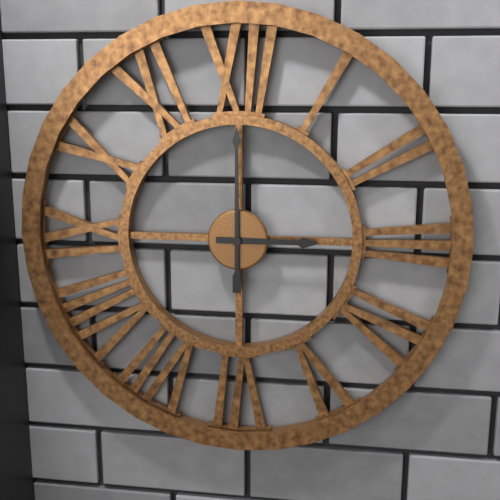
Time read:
3.00
